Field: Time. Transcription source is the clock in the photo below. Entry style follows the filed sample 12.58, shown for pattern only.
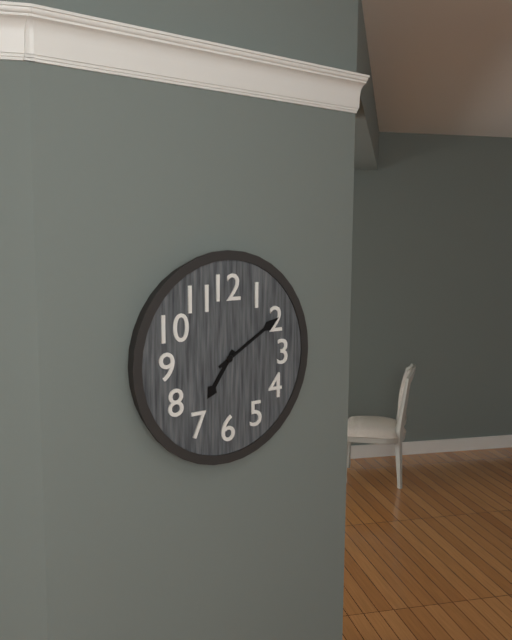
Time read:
7.10
